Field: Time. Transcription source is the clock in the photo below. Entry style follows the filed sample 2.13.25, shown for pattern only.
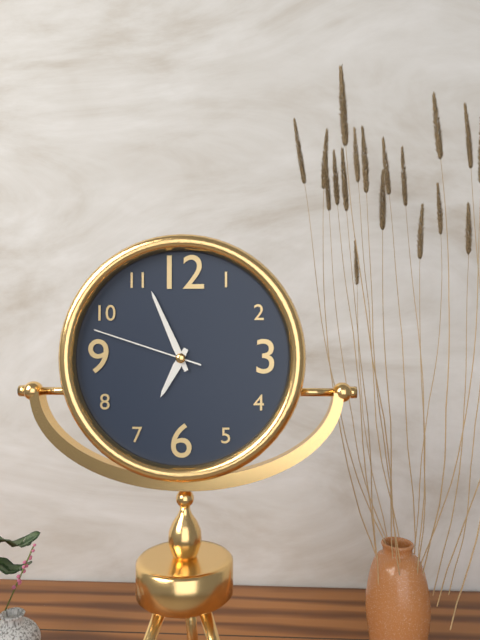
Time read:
6.56.48
